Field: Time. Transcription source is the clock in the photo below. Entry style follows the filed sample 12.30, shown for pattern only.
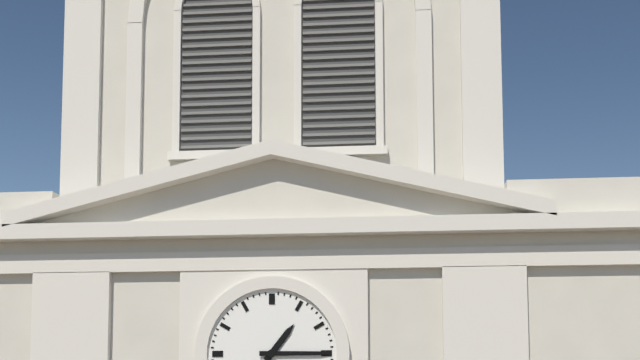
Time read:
1.15
